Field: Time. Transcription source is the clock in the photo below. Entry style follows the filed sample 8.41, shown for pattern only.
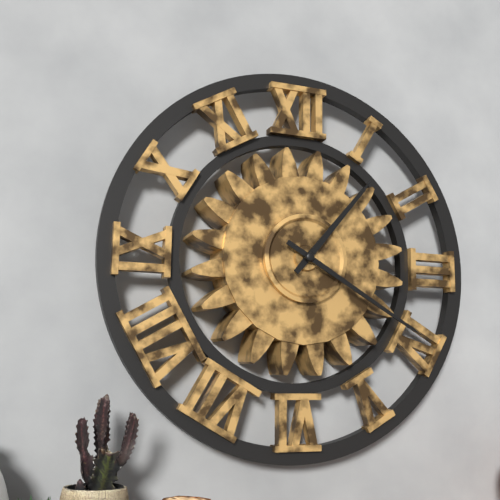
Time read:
1.20
